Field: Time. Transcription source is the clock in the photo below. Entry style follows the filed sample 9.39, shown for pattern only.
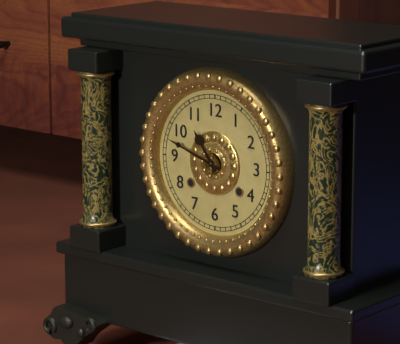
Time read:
10.48
